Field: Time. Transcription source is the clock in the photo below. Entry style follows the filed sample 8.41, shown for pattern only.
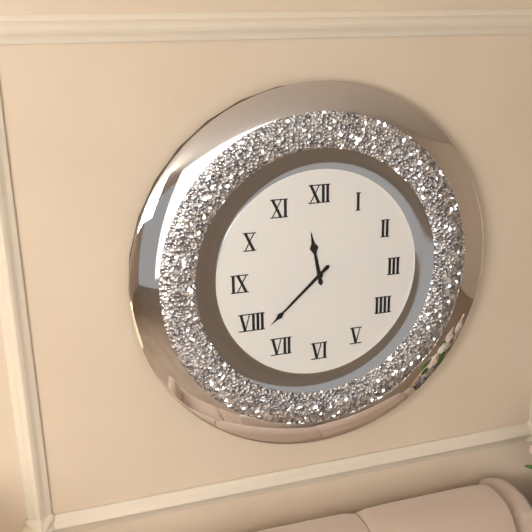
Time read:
11.38
